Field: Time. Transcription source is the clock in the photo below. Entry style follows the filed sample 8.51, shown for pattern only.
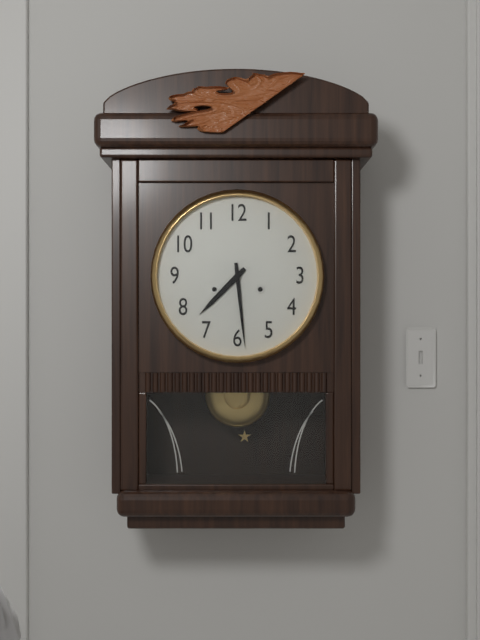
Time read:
7.29
